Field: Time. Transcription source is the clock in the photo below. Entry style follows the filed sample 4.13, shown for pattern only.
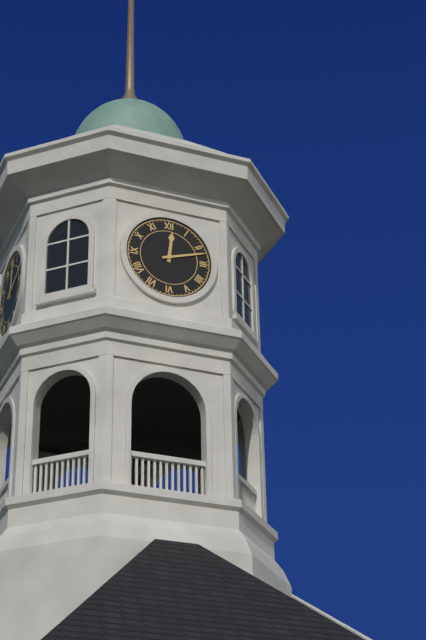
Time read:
12.12
